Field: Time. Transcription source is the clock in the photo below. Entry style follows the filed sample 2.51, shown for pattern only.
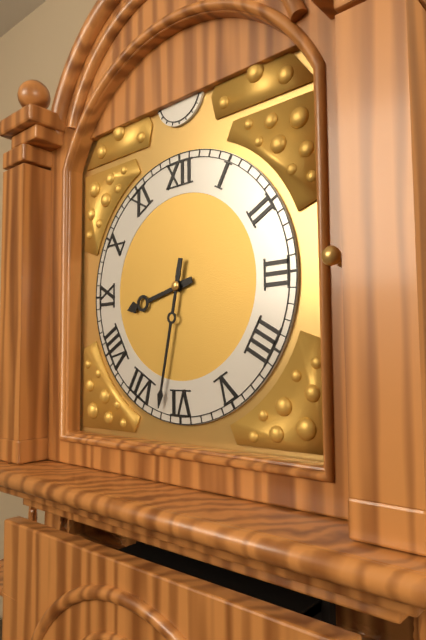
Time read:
8.32
